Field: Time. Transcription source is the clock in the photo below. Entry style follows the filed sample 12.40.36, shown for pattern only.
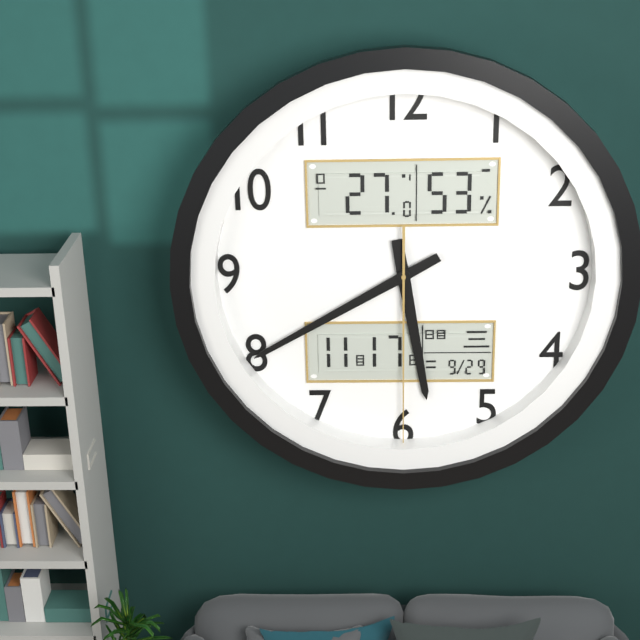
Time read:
5.40.30
